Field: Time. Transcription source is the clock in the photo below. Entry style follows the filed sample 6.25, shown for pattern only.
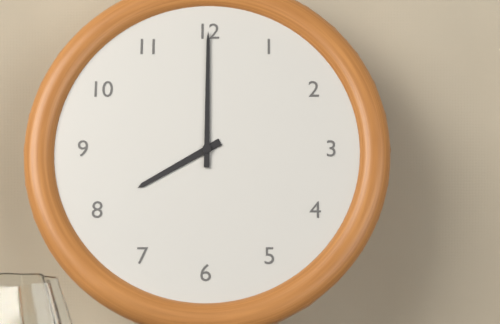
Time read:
8.00
